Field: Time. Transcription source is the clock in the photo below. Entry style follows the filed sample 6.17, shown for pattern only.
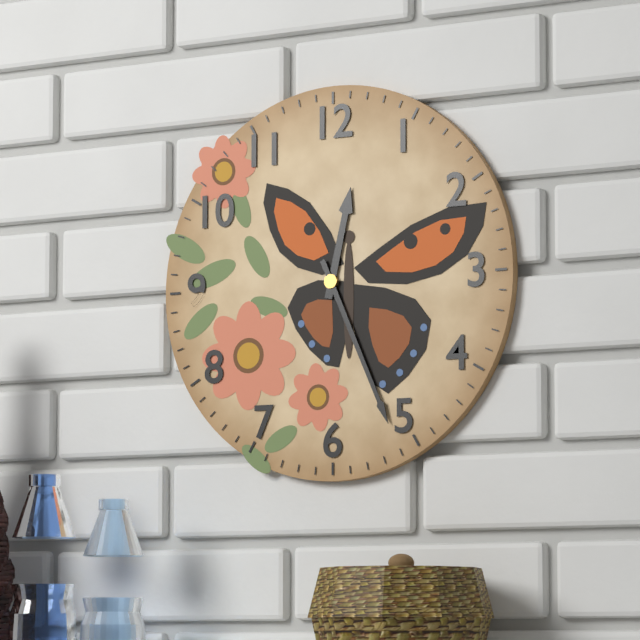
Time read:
12.26
